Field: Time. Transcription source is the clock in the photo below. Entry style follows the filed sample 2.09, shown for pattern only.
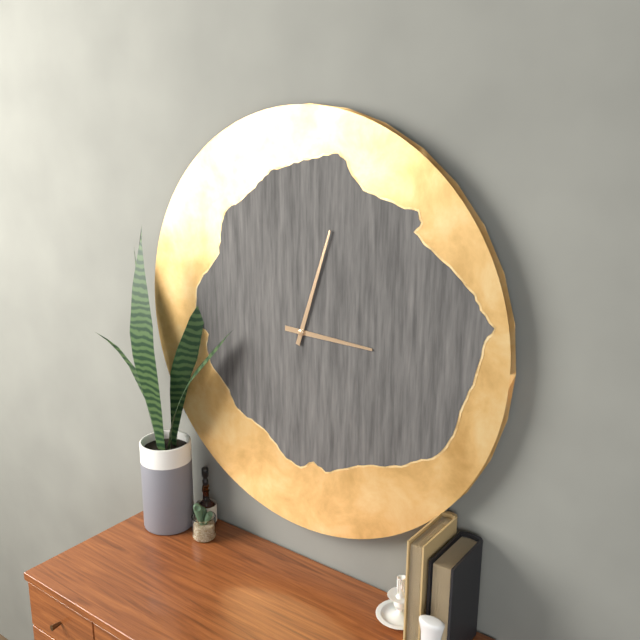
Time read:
3.03
